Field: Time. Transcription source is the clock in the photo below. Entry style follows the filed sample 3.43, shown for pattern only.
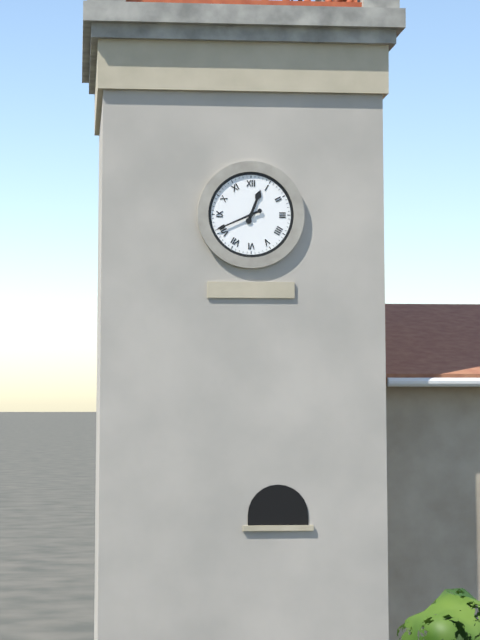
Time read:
12.41
